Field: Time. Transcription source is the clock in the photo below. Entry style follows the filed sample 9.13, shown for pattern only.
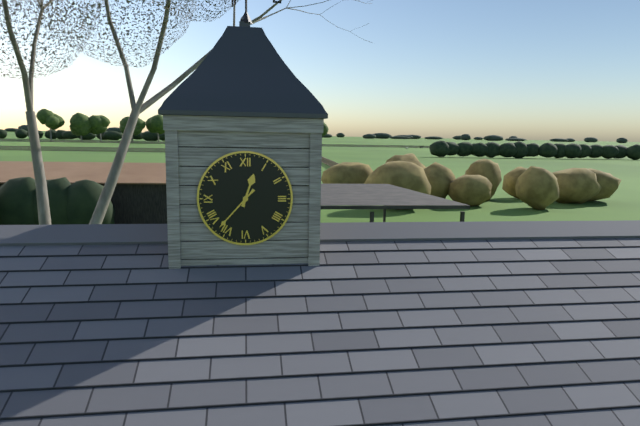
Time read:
12.37
